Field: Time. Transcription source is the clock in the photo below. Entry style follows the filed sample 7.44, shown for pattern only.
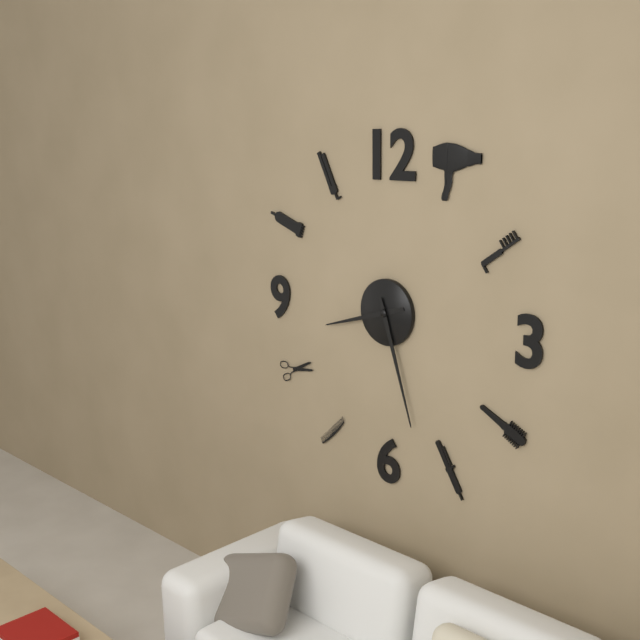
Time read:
8.27
